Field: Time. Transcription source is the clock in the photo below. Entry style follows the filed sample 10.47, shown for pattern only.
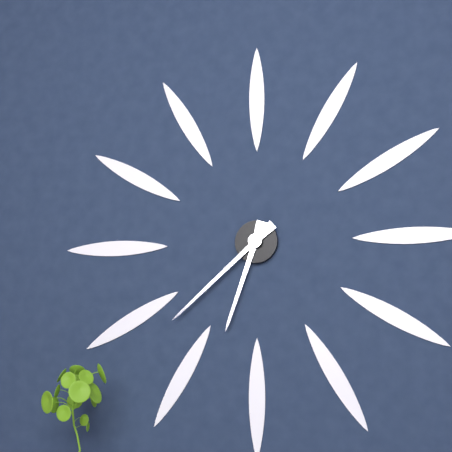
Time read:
6.38
